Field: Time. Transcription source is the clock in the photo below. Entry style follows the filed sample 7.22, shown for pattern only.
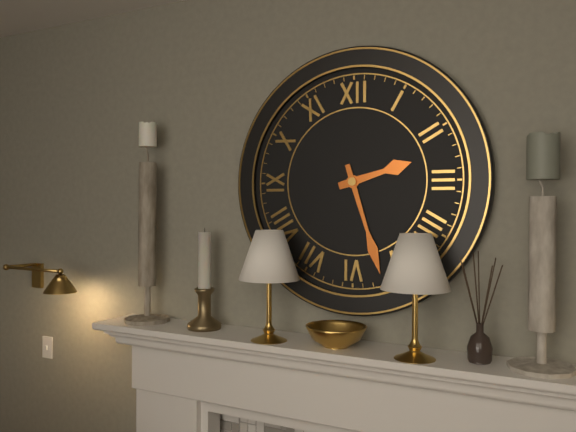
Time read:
2.27
